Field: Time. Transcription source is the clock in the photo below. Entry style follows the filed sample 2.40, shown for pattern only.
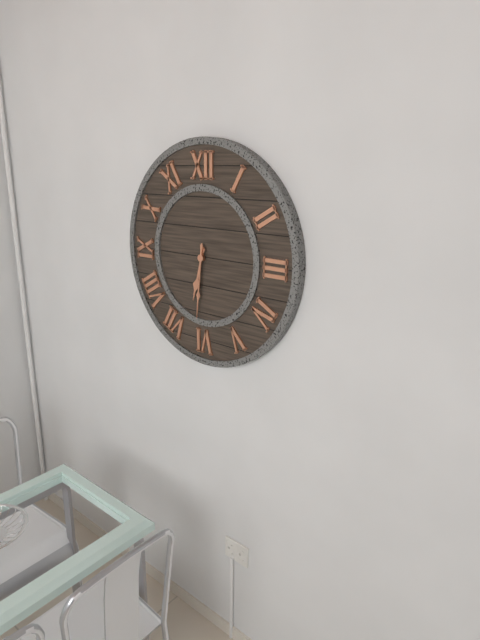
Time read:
6.31
